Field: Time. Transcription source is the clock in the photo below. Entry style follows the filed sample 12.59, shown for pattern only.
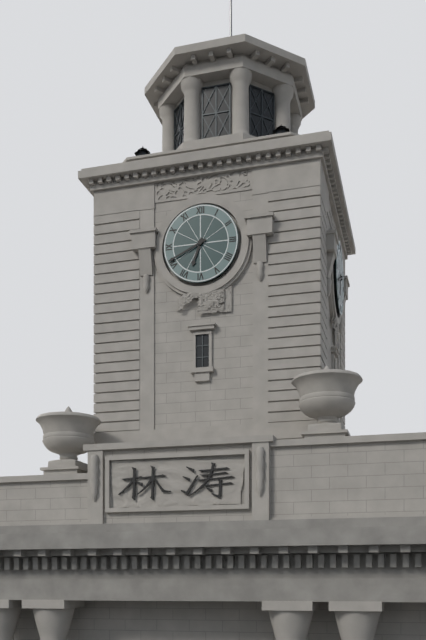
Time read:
6.41
